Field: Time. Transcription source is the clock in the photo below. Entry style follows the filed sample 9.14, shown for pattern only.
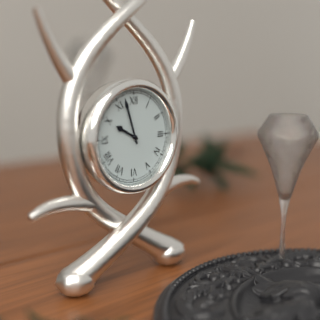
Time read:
9.57
